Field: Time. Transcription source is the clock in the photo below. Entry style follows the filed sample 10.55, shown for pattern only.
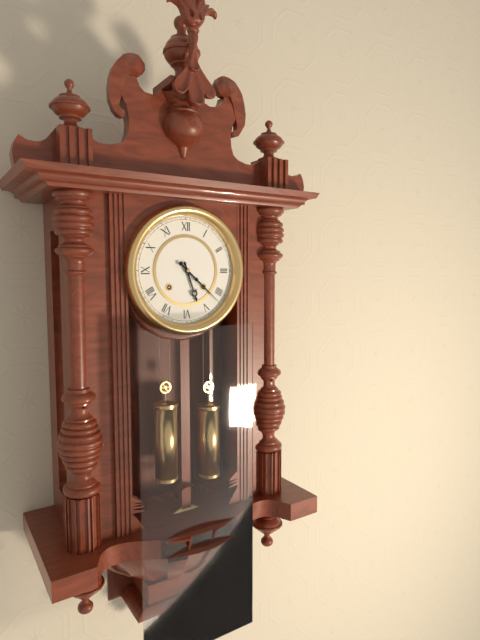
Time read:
5.22
